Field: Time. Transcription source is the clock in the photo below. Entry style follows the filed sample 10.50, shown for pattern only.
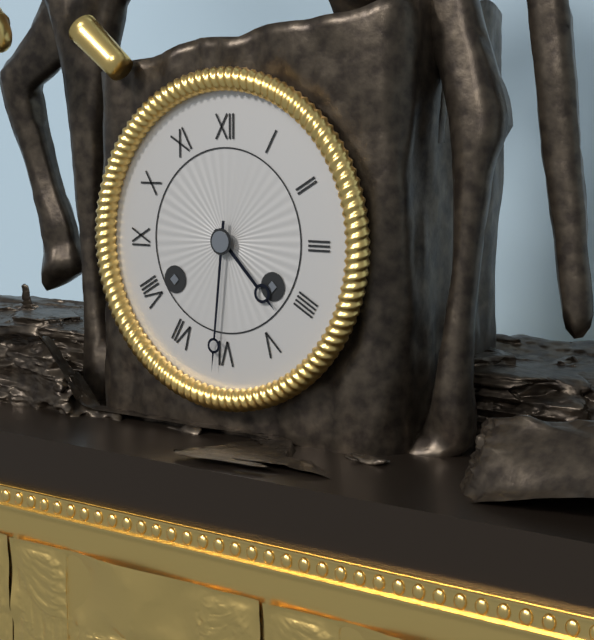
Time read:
4.31
